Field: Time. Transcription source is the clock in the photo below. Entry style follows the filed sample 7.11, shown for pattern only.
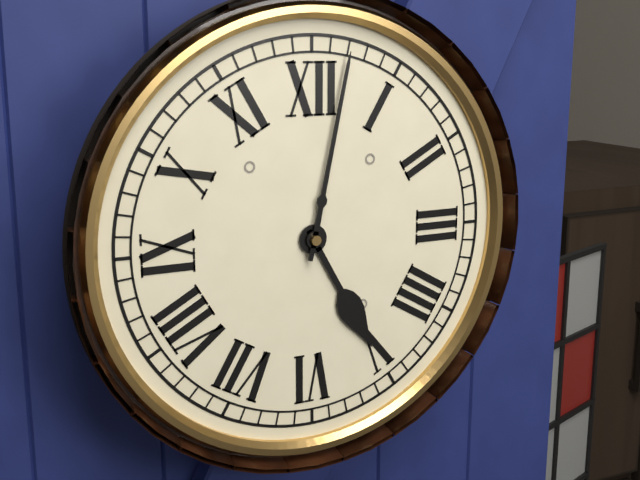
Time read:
5.02
